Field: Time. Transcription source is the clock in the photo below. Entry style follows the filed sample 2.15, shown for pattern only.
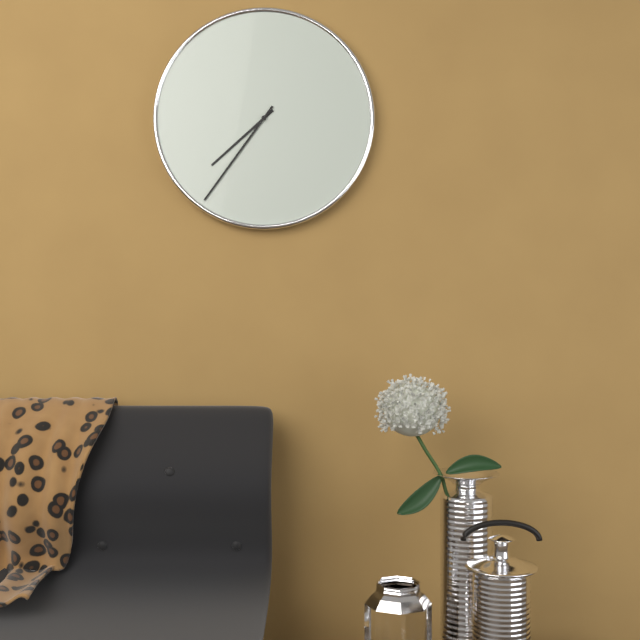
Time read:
7.36
